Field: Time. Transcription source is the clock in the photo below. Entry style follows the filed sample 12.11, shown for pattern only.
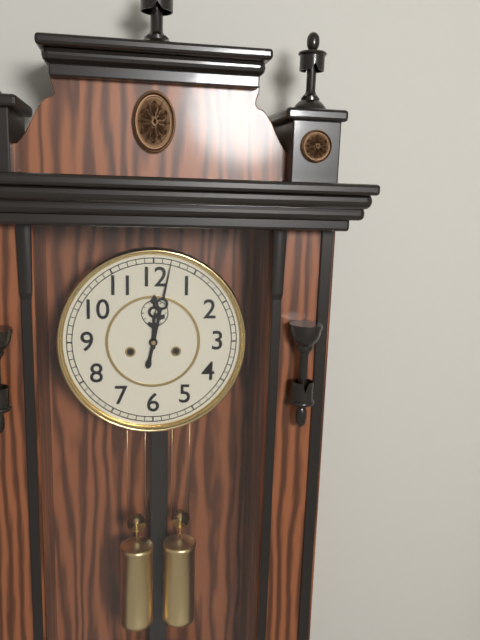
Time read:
12.02
